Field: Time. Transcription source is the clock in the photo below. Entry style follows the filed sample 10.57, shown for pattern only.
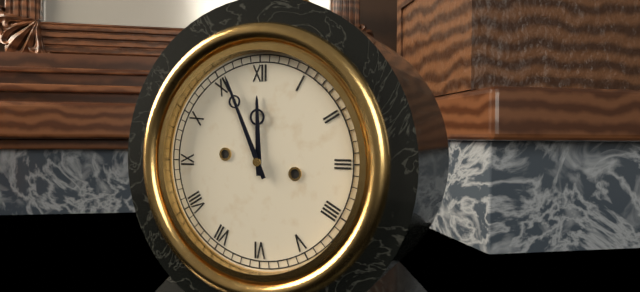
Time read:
11.56
